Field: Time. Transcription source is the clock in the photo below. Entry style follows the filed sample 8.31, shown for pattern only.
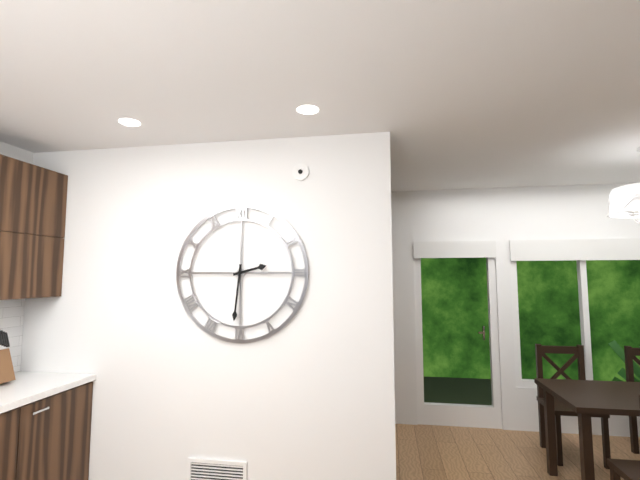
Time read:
2.31
